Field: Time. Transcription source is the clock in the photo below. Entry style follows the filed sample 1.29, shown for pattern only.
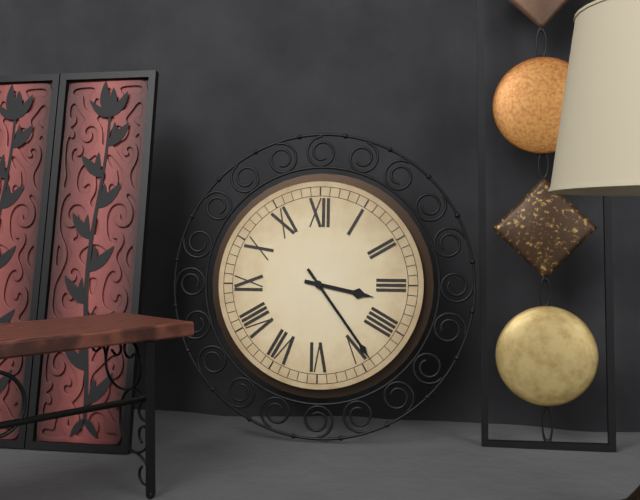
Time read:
3.24
